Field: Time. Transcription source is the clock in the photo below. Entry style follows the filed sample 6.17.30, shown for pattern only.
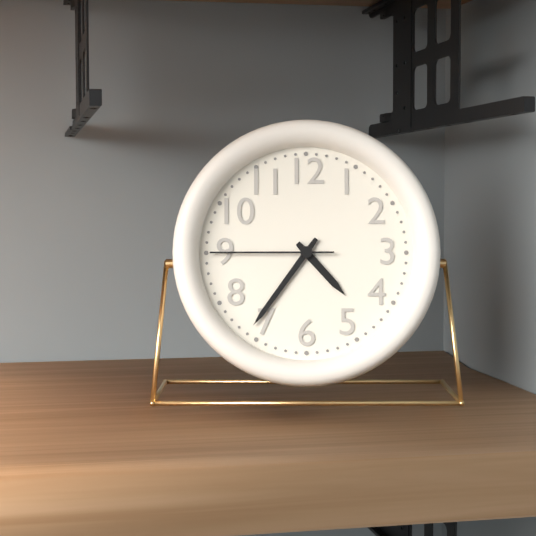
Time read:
4.36.45
